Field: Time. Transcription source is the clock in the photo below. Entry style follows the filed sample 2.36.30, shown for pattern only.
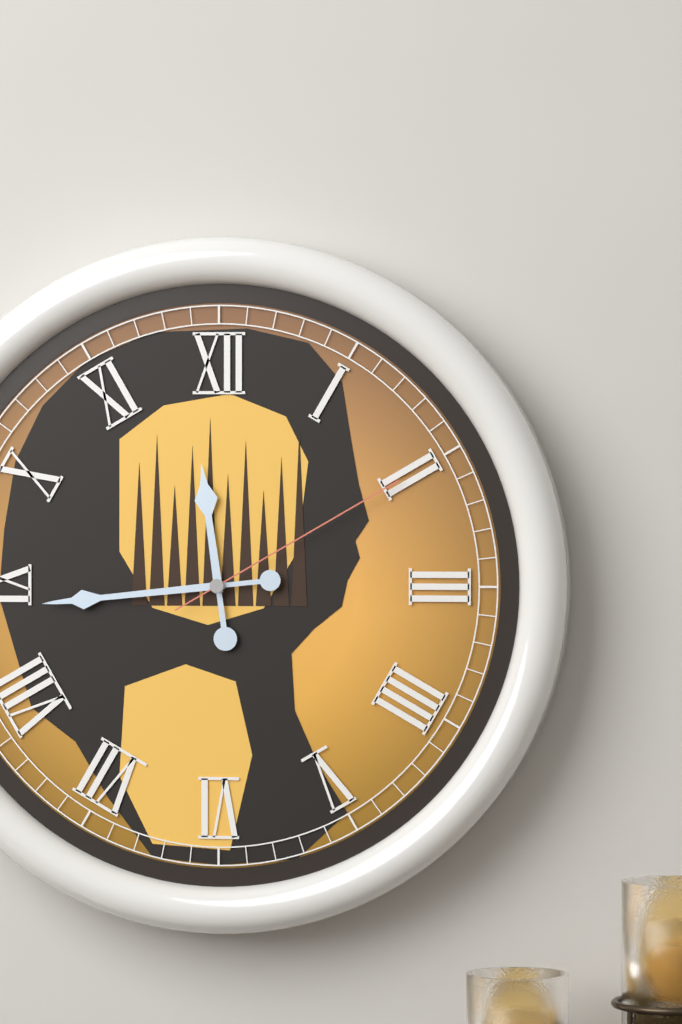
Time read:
11.44.10
